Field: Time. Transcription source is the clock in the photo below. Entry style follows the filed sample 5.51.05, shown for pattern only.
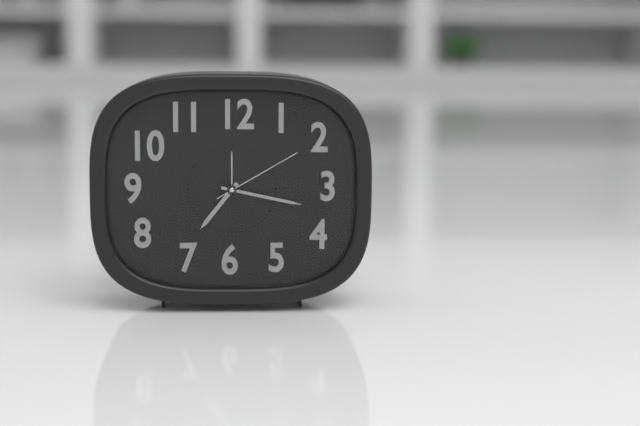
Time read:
7.17.10
